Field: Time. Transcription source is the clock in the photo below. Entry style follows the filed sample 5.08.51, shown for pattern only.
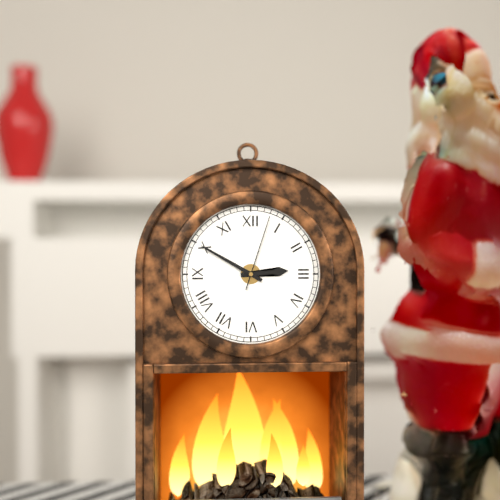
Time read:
2.50.03
